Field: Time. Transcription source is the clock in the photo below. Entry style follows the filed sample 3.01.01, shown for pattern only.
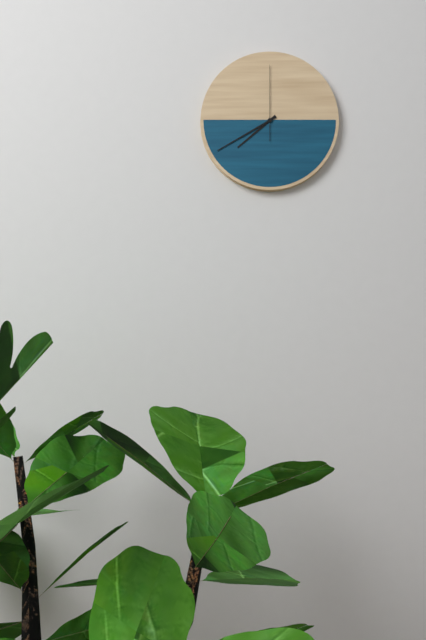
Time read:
7.40.00
